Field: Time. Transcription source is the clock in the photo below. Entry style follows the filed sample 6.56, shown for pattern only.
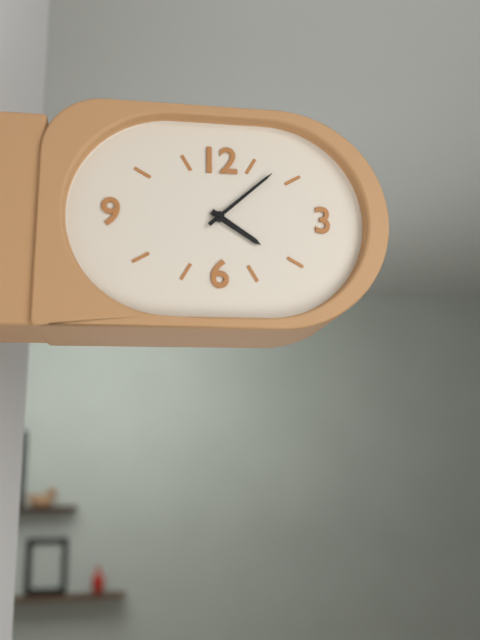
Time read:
4.08
